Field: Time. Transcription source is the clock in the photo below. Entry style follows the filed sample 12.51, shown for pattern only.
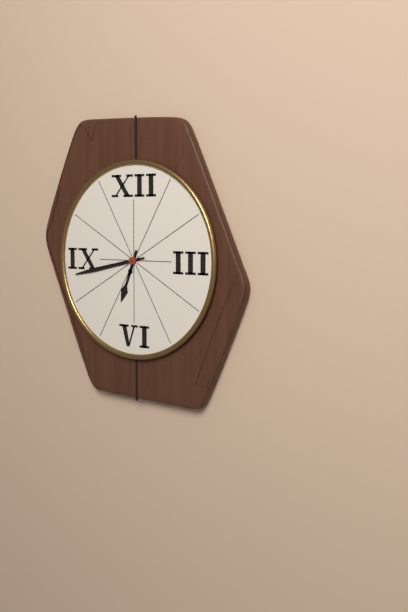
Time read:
6.43
